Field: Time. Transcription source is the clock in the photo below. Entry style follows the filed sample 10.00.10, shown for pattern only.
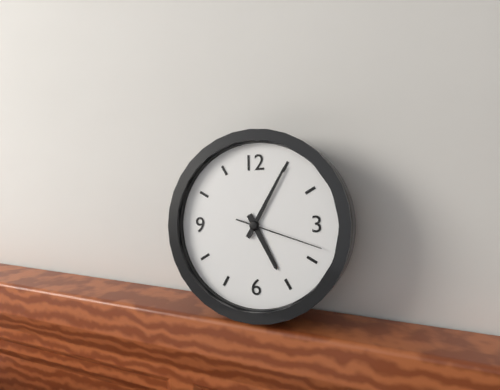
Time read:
5.05.18
